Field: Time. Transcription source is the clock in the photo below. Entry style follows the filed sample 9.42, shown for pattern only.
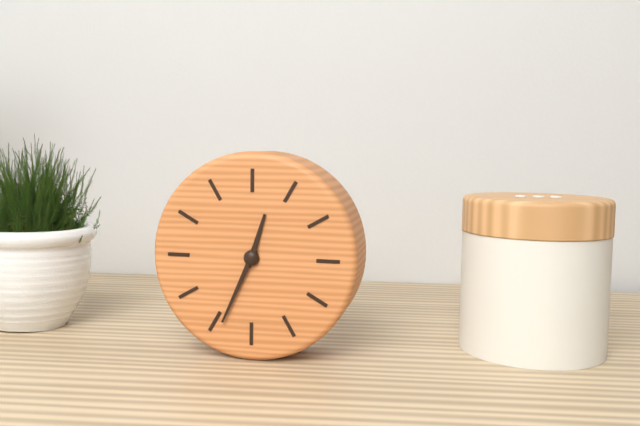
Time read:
12.34
